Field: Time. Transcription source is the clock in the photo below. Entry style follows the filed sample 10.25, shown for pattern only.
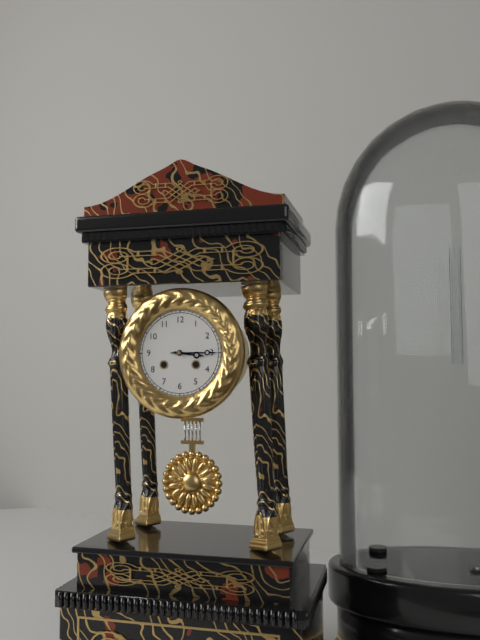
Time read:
3.15
